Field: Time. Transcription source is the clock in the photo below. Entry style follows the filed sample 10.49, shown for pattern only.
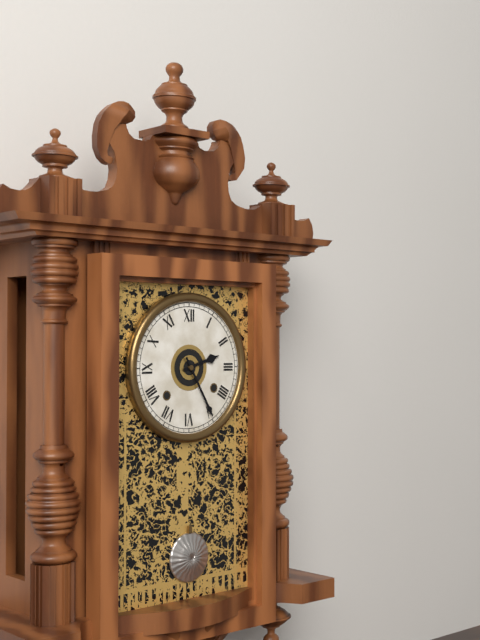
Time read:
2.25
